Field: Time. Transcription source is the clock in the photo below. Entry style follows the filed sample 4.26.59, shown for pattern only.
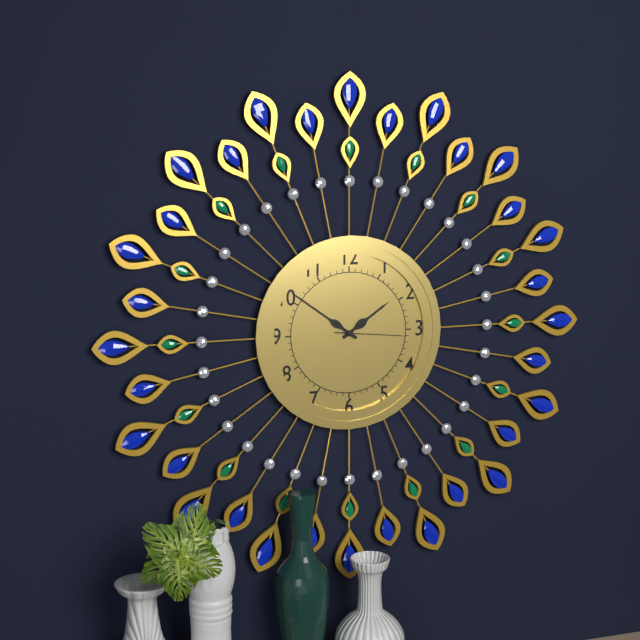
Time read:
1.51.16
